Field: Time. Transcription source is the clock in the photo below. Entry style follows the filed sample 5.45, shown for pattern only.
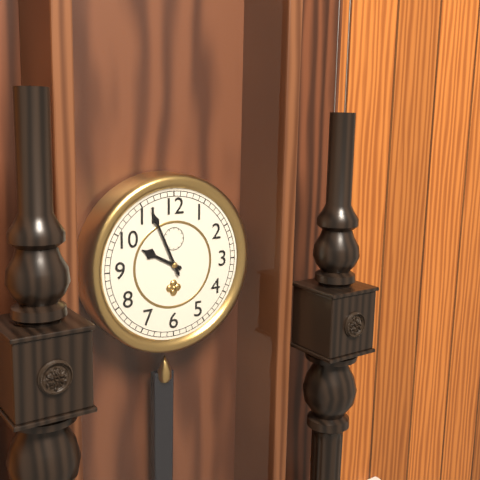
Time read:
9.56
